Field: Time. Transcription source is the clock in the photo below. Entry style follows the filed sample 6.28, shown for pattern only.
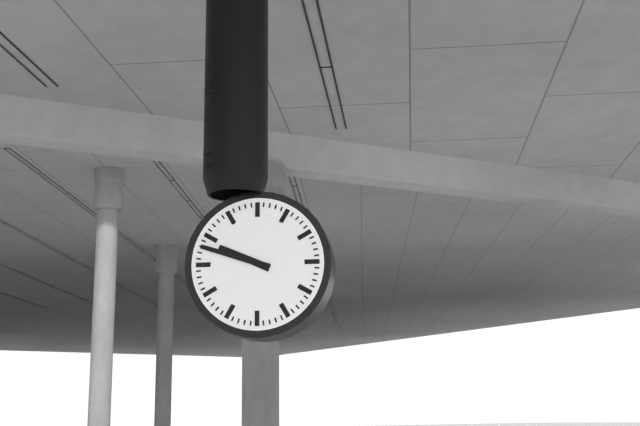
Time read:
9.48
